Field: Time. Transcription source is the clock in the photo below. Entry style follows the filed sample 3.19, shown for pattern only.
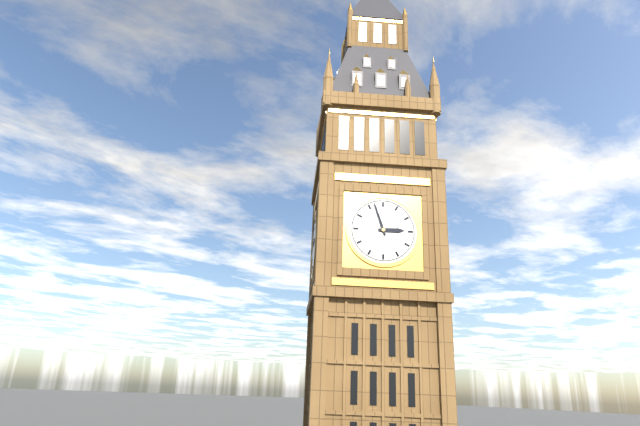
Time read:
2.57
